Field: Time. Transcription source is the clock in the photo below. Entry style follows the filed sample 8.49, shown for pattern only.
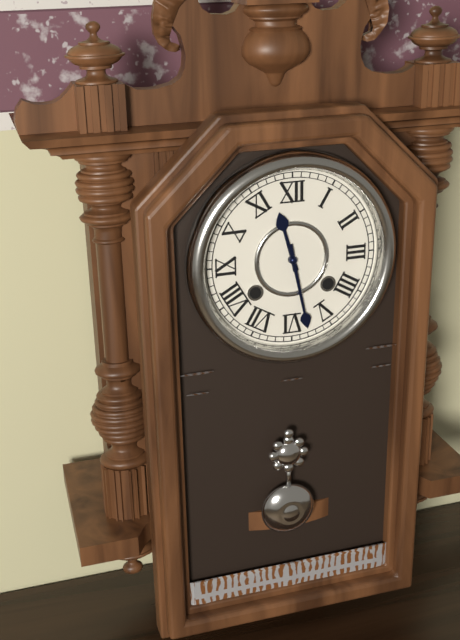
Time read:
11.28
